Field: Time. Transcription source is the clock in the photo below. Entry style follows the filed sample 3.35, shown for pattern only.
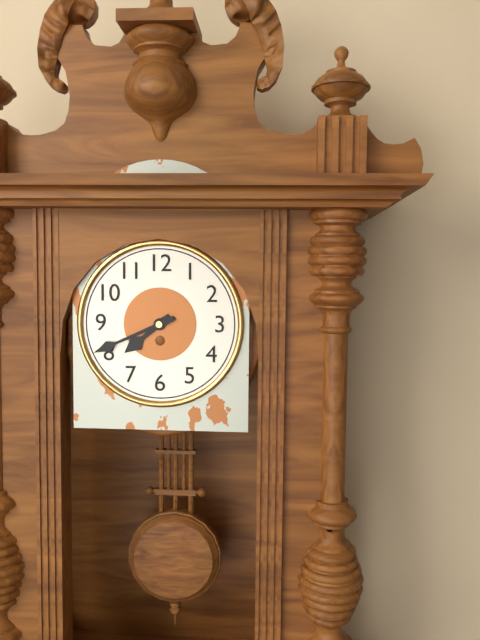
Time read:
7.41
